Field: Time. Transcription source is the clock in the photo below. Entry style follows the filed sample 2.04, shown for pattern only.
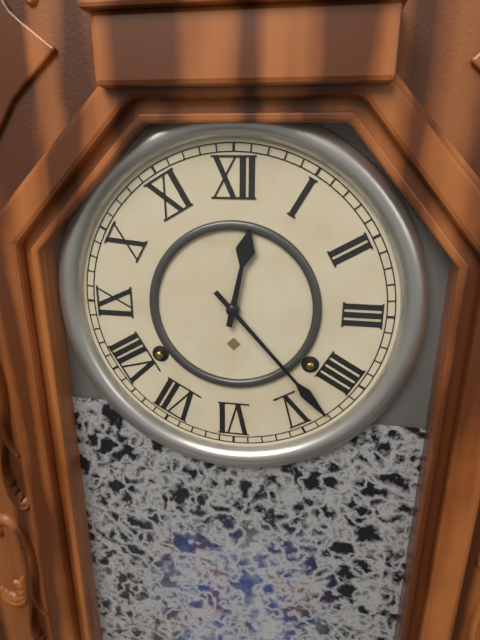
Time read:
12.23
